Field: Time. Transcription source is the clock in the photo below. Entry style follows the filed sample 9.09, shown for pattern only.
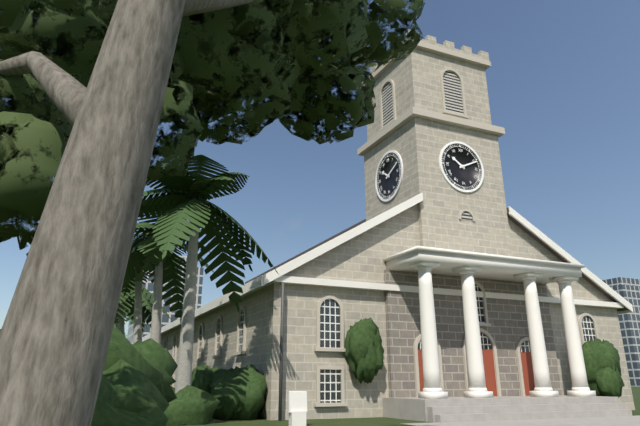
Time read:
10.11
